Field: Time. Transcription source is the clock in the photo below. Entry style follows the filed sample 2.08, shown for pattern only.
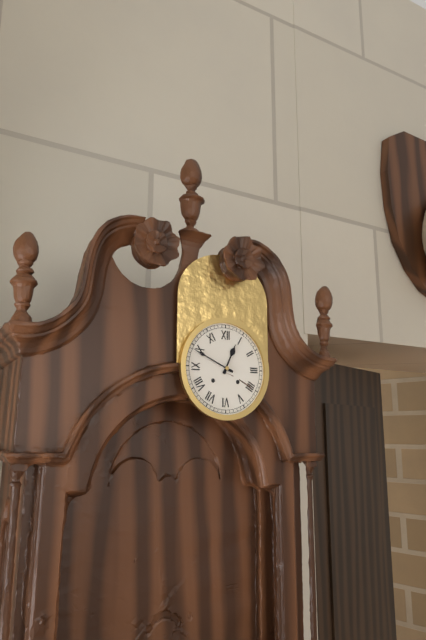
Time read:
12.49
